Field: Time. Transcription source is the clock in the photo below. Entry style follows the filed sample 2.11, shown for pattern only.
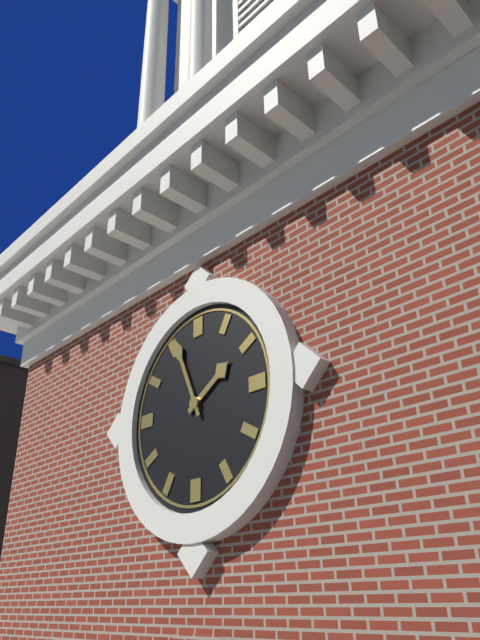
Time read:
1.56
